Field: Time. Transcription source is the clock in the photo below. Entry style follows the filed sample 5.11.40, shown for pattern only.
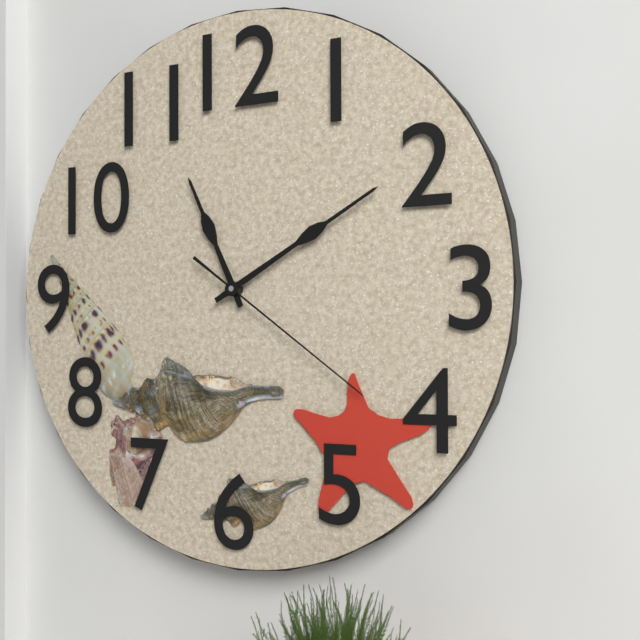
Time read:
11.10.21
